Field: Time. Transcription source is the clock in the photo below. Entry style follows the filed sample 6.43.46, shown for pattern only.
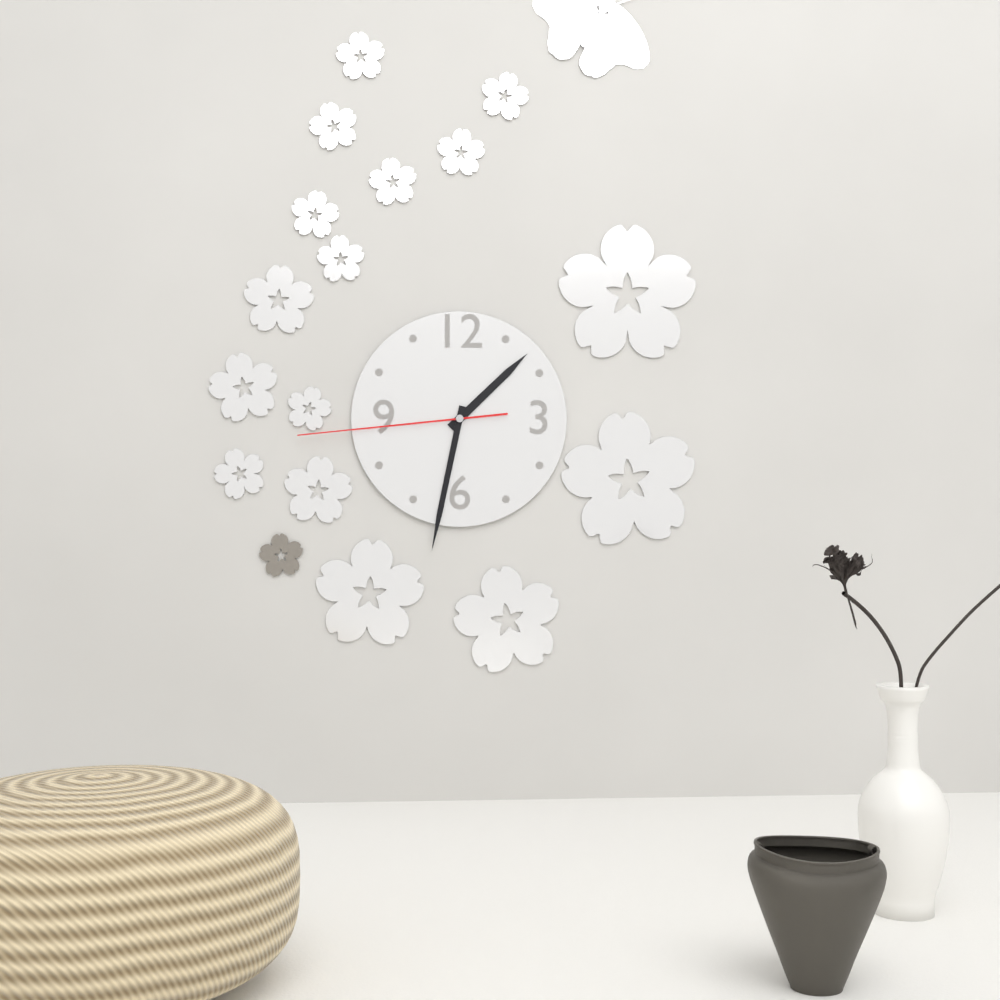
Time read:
1.32.44
